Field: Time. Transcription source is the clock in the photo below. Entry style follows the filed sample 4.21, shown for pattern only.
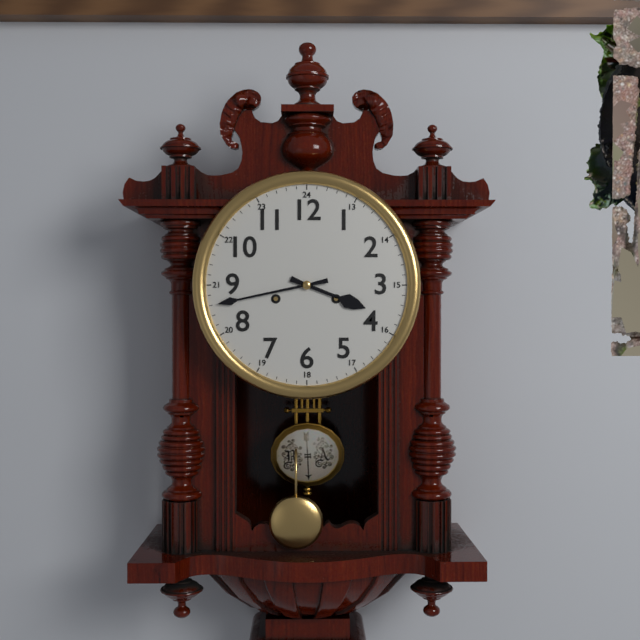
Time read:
3.43
